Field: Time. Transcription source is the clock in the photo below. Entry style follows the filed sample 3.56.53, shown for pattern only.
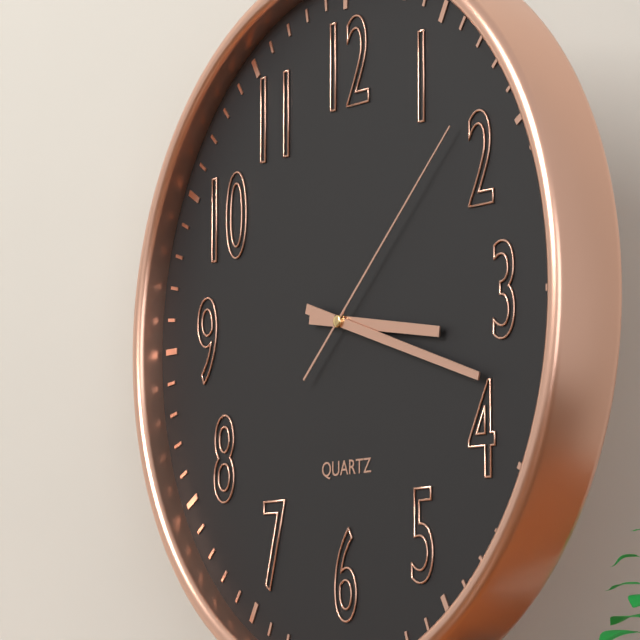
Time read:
3.18.08
